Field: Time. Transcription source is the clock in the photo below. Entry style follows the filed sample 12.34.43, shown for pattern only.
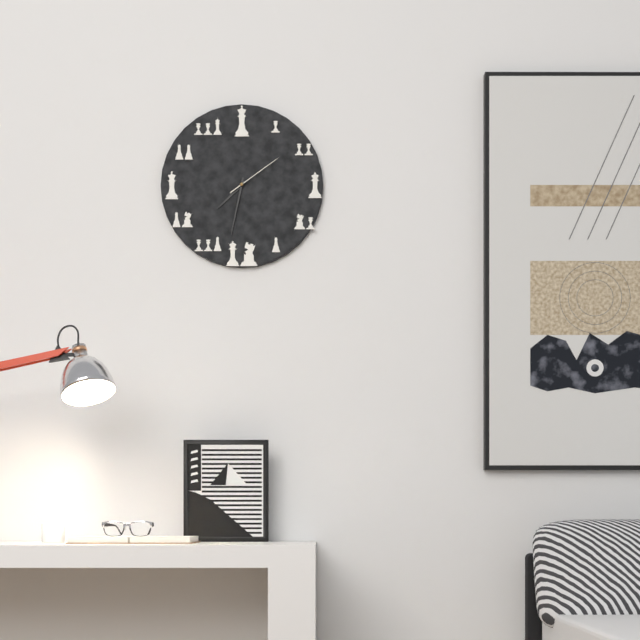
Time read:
7.32.09
